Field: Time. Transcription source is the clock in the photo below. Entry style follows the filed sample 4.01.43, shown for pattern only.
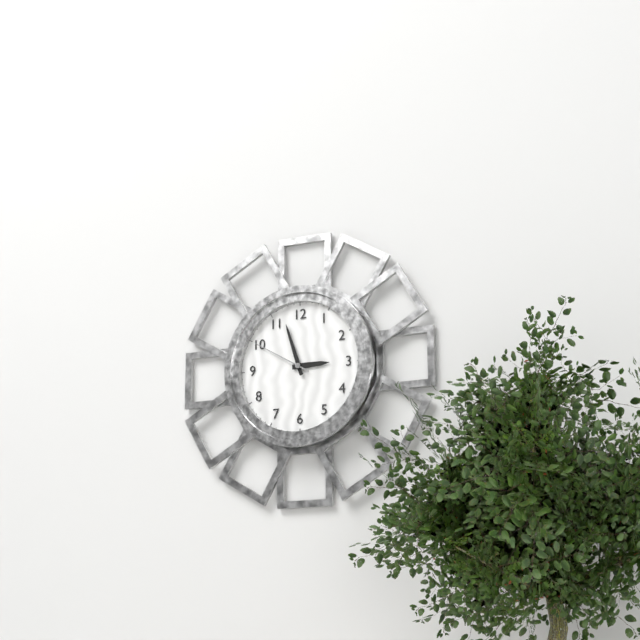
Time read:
2.57.50
